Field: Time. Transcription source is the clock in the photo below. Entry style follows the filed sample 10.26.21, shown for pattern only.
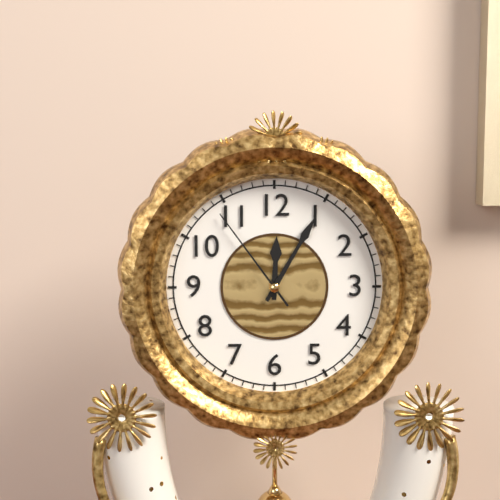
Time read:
12.05.54
